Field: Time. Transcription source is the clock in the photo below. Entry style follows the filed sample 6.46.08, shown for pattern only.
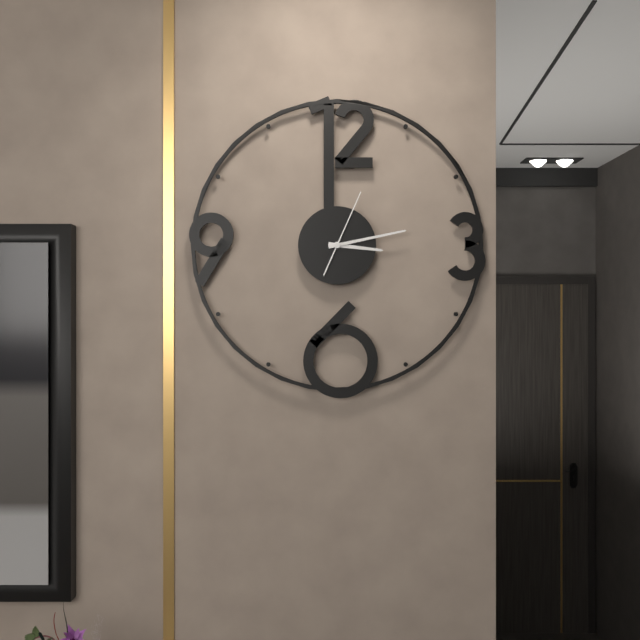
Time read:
3.13.04
